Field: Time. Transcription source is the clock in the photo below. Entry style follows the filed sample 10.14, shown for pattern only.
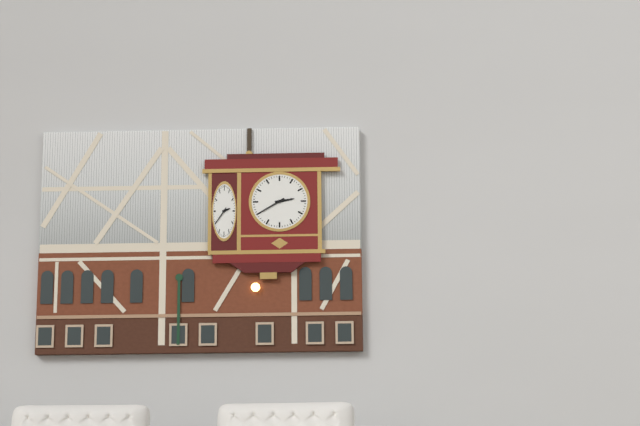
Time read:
2.40
